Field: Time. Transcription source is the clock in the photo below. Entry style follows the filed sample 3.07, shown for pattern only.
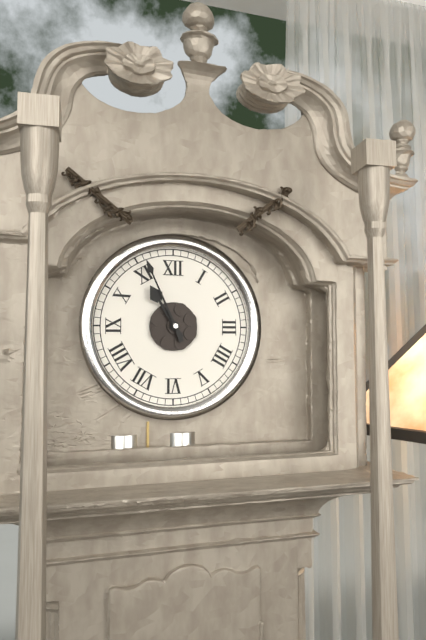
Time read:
10.56
